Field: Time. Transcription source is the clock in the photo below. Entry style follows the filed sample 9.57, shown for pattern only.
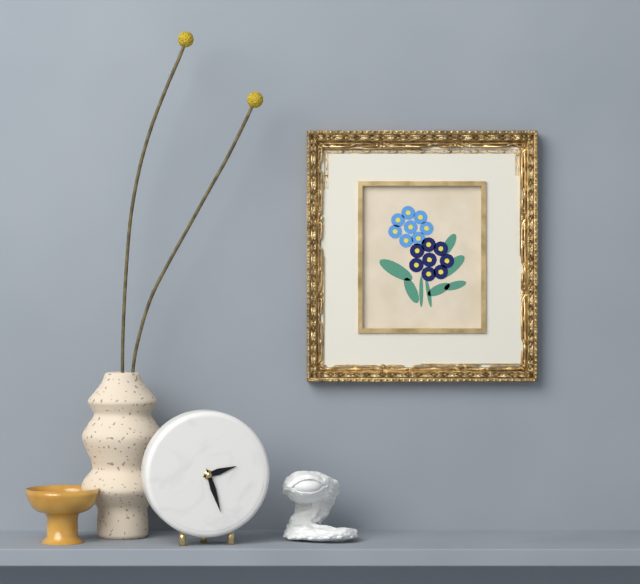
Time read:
2.27
